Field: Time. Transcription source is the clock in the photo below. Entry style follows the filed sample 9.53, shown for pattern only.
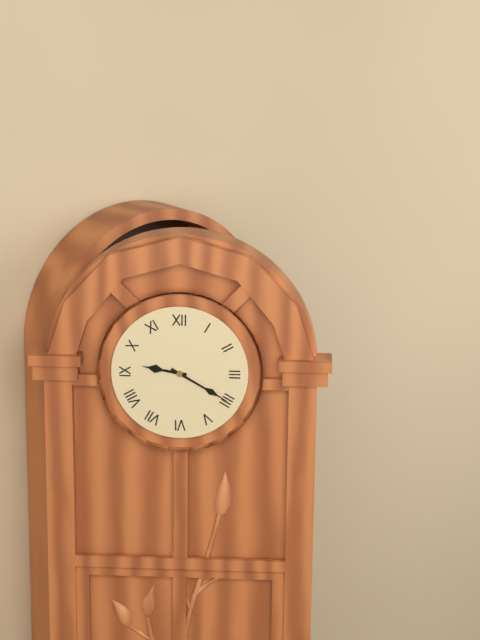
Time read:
9.20
